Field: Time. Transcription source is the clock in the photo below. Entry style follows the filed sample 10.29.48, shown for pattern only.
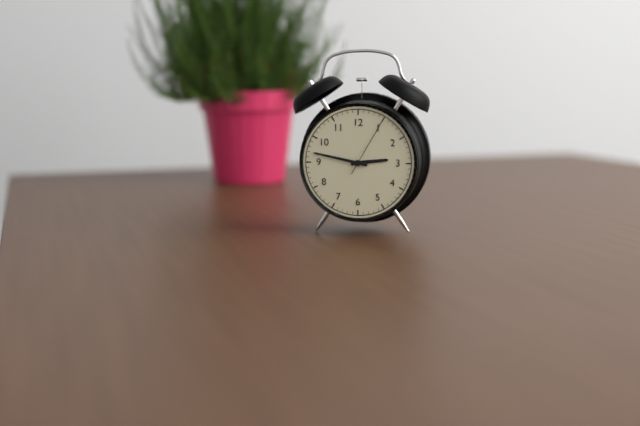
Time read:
2.47.05
